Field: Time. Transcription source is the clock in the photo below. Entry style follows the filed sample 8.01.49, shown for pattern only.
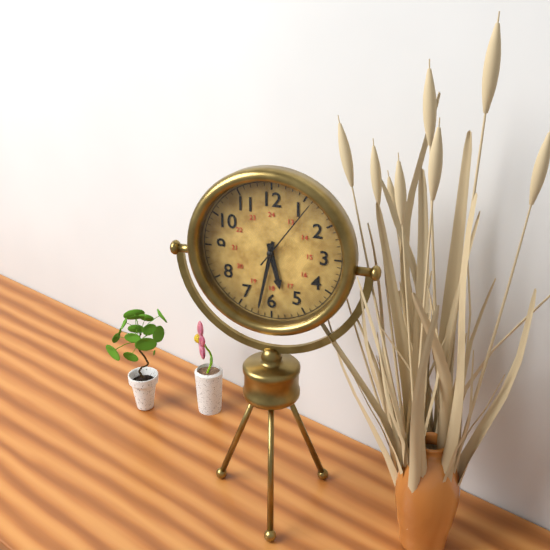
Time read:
5.32.06
